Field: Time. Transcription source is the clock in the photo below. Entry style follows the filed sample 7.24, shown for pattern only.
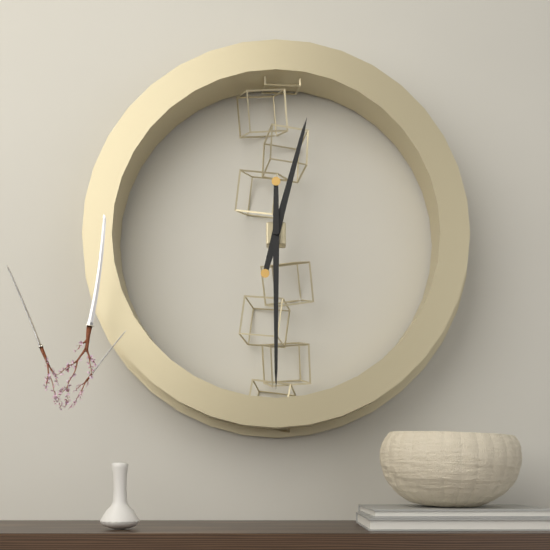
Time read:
12.30
